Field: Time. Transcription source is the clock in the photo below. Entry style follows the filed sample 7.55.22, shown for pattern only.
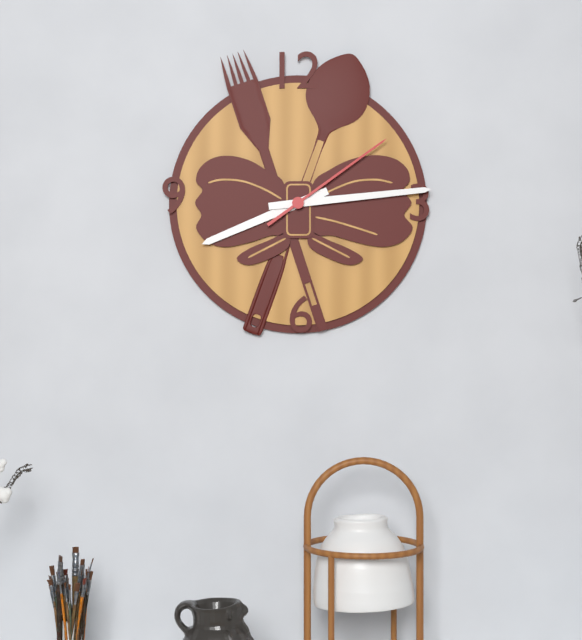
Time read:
8.14.09
